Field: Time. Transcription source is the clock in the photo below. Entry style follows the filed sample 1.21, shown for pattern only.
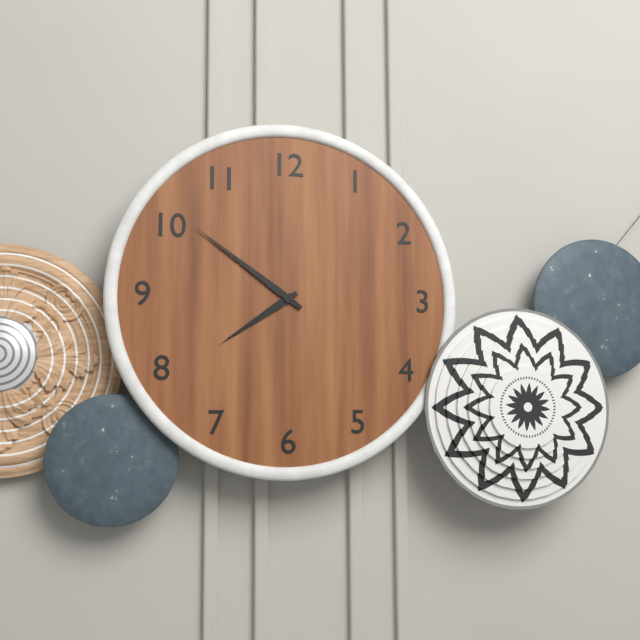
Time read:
7.51
